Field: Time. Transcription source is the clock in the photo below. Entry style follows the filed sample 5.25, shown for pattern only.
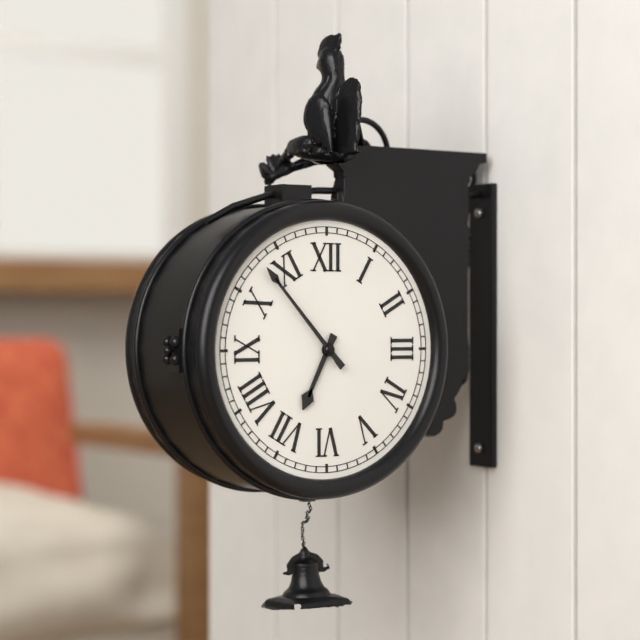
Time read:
6.53
